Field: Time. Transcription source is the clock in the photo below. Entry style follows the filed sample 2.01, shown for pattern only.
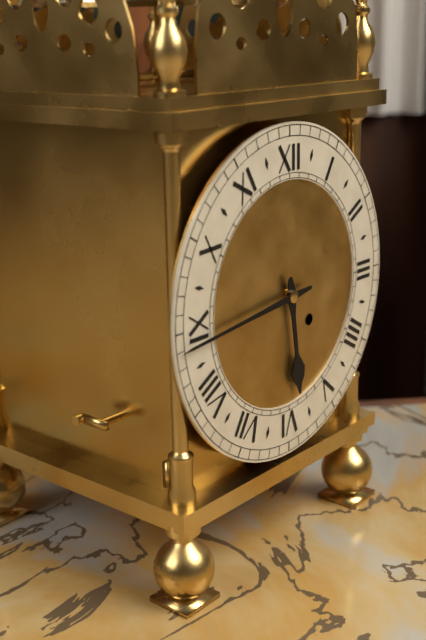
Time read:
5.44
